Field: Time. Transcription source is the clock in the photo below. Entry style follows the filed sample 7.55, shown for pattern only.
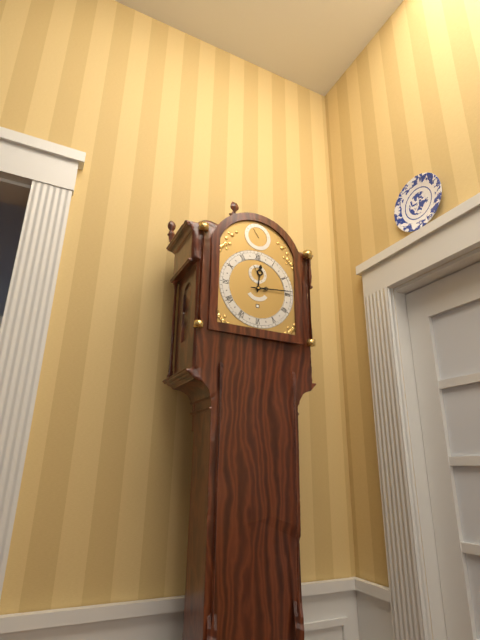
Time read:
12.14
